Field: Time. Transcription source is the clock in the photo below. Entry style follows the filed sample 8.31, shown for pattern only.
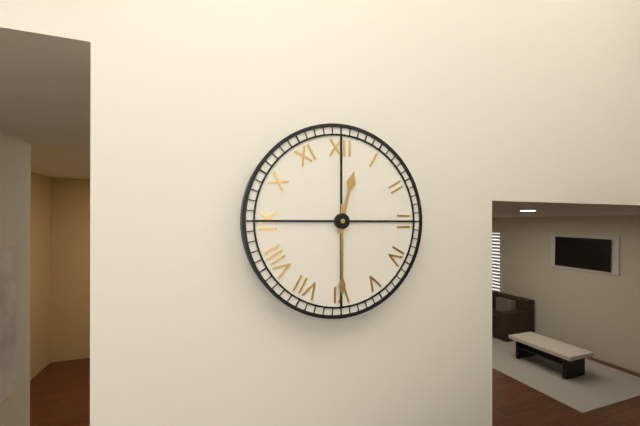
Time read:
12.30
